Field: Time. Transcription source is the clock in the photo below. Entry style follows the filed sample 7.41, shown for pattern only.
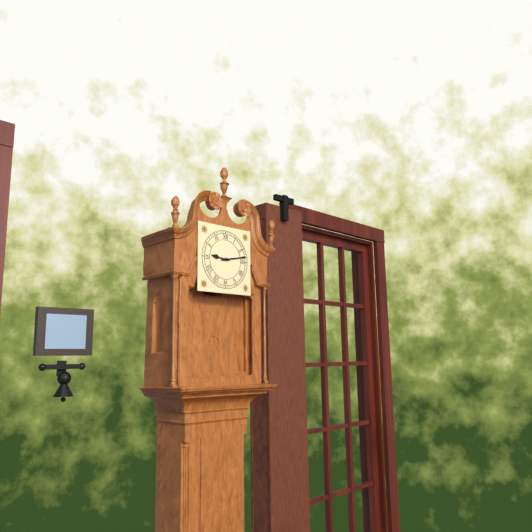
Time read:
9.13
